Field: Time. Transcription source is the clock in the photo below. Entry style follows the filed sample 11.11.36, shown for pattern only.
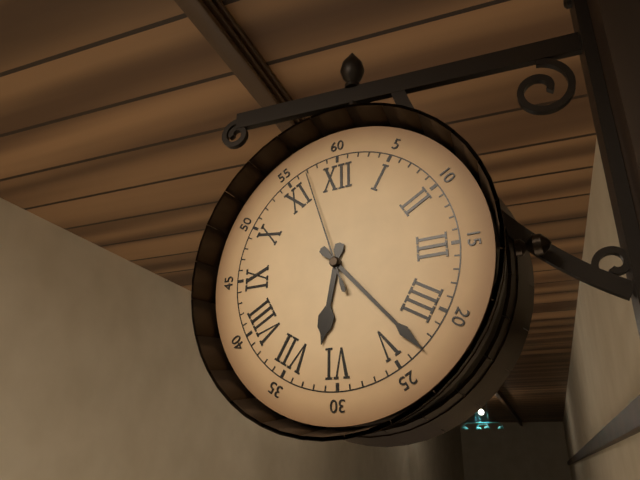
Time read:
6.23.57
